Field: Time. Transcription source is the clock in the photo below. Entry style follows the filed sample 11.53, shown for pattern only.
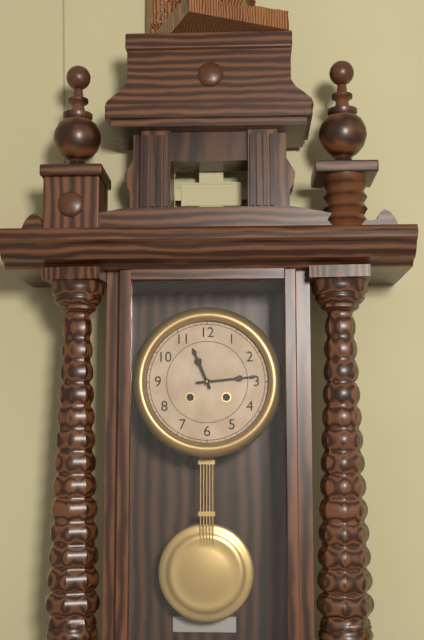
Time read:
11.14
